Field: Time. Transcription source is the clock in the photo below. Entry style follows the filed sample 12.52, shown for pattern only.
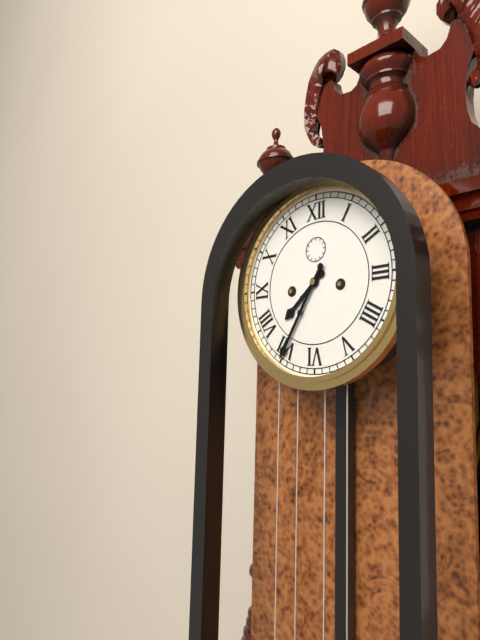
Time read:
7.35
